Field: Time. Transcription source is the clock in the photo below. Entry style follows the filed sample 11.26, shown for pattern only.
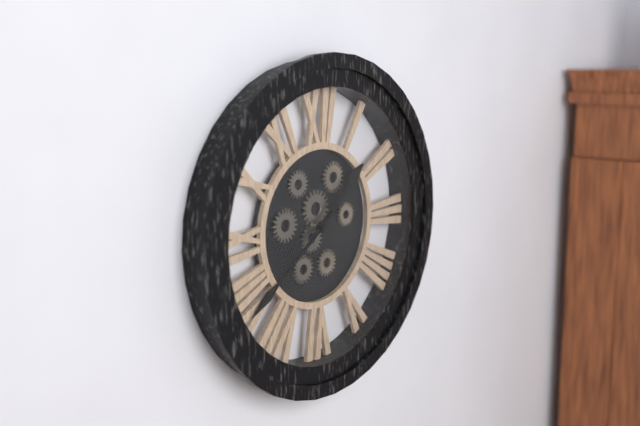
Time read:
1.39
